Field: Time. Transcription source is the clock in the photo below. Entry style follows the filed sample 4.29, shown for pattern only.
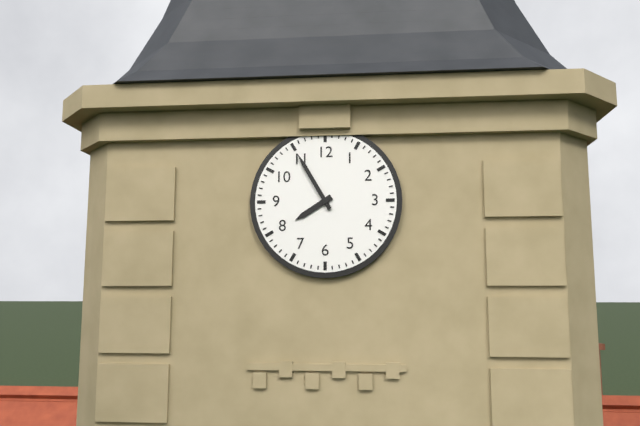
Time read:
7.55
